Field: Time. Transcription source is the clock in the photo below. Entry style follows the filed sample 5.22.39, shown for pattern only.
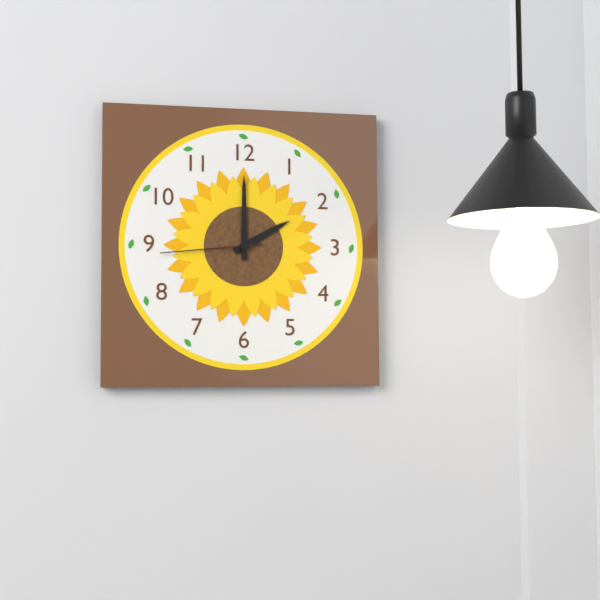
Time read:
2.00.44
